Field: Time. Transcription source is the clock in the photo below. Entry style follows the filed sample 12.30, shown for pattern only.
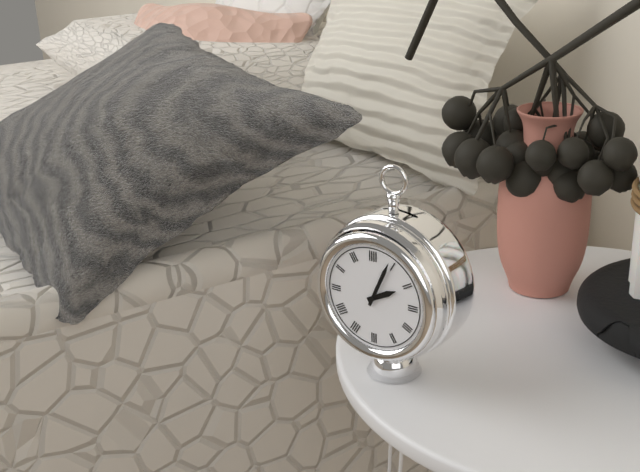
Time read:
2.04
